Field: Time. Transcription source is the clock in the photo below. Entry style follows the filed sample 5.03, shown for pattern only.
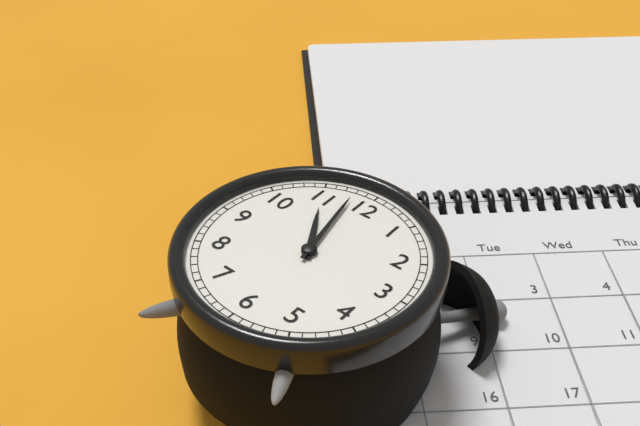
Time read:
10.58
